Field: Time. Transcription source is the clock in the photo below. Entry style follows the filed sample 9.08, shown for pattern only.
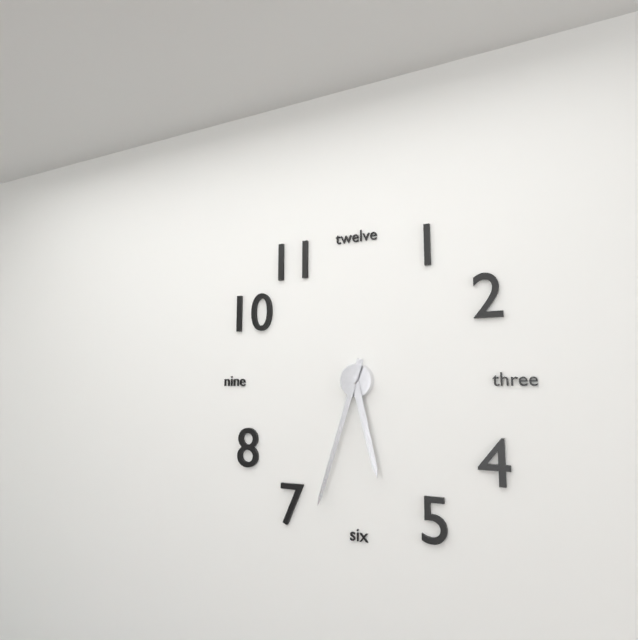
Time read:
5.33
